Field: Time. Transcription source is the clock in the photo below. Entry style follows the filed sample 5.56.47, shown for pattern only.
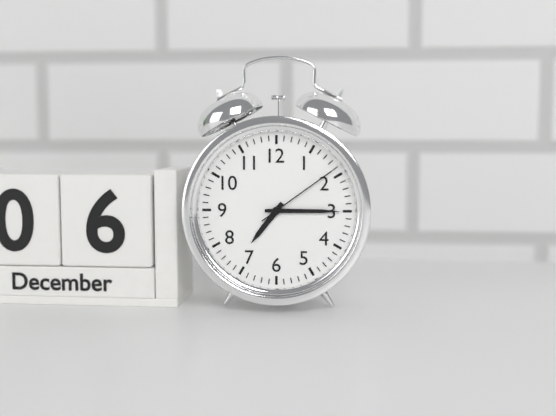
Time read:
7.15.09
